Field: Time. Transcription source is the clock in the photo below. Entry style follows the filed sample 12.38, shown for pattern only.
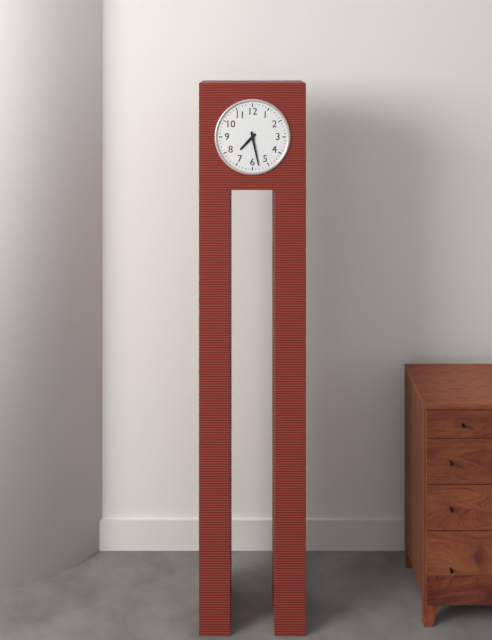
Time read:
7.28
